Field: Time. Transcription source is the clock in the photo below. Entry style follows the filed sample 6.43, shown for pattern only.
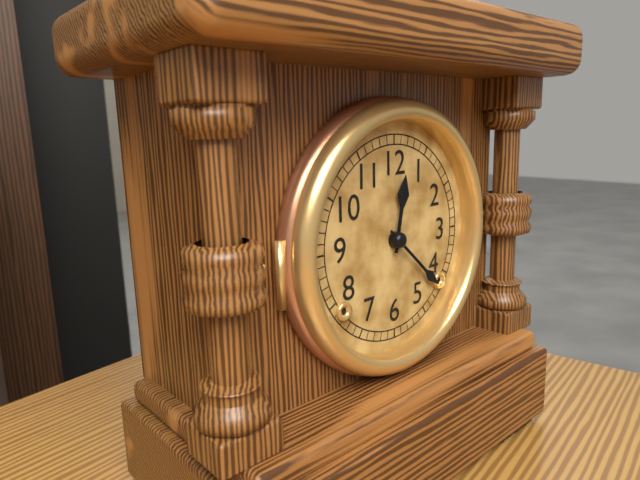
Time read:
12.22
